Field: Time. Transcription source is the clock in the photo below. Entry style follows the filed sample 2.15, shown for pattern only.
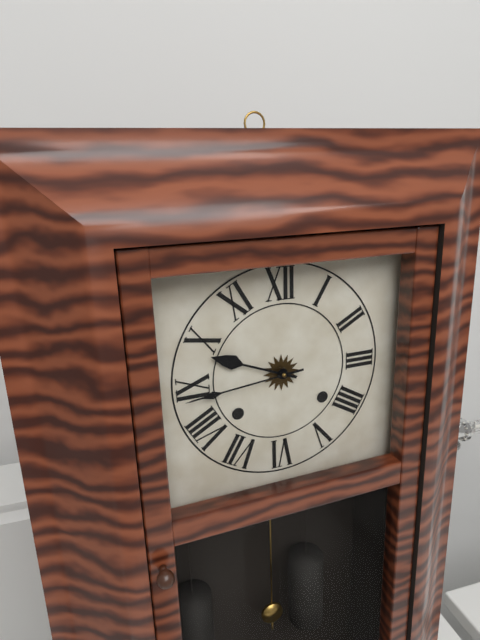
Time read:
9.44
